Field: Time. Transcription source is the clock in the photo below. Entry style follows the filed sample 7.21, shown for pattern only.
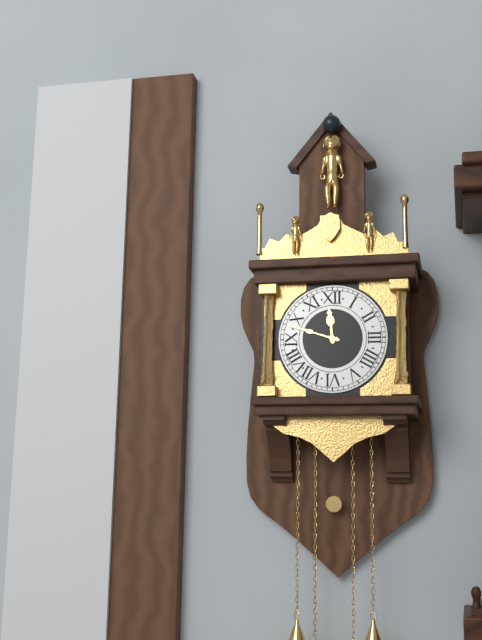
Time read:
11.48
